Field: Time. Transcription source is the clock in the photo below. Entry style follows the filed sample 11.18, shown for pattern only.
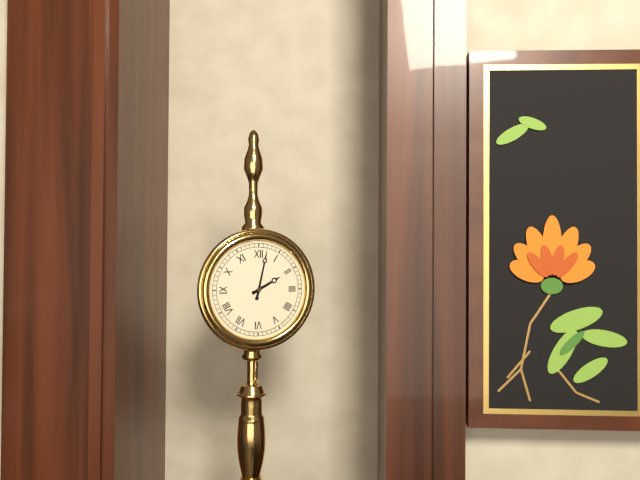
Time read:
2.02
